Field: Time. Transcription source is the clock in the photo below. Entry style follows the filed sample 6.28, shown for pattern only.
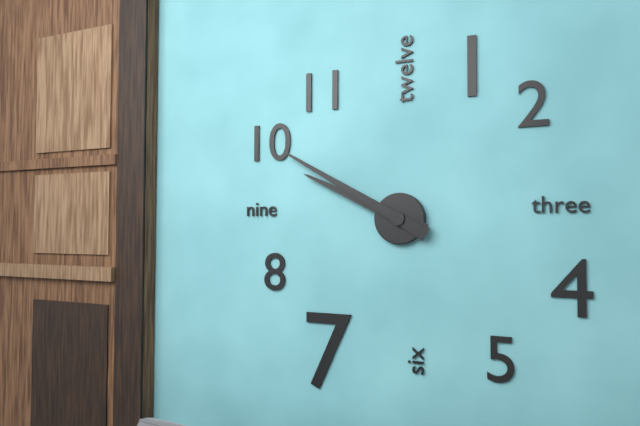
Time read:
9.50
